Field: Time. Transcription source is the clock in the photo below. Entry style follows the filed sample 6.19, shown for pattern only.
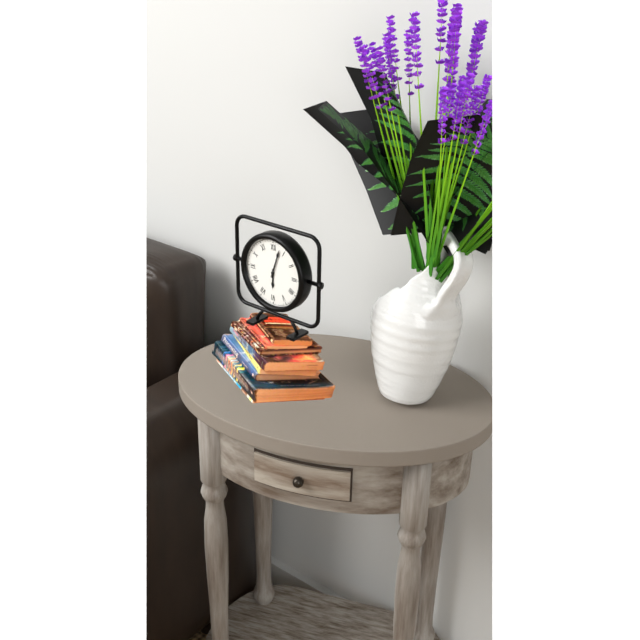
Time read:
6.03
